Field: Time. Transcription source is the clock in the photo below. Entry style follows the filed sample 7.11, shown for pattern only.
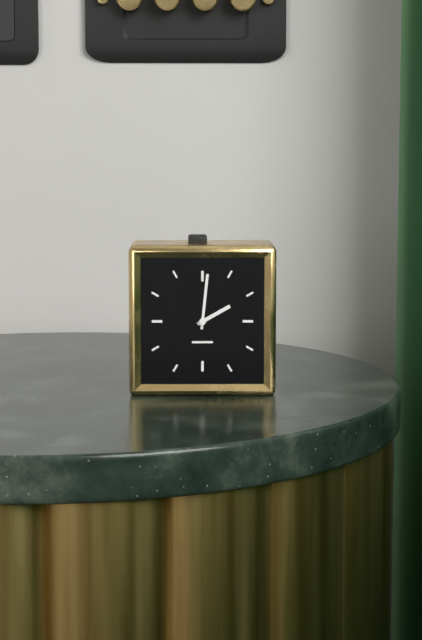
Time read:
2.01
